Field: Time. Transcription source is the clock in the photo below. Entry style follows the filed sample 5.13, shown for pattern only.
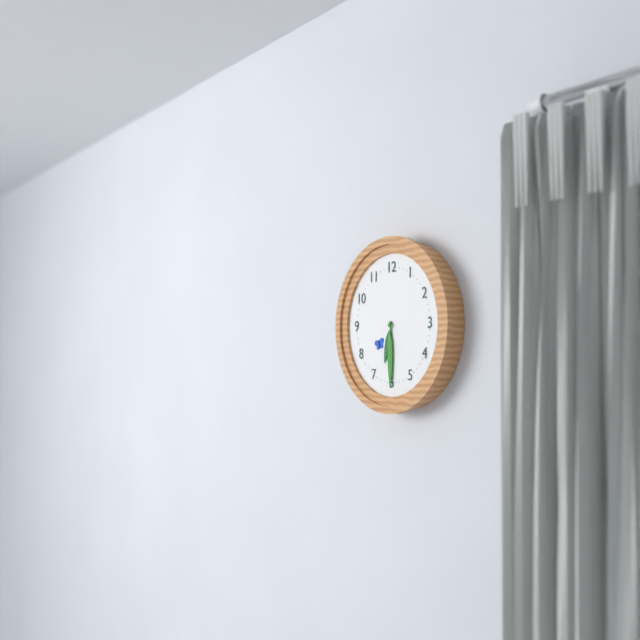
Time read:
6.30
